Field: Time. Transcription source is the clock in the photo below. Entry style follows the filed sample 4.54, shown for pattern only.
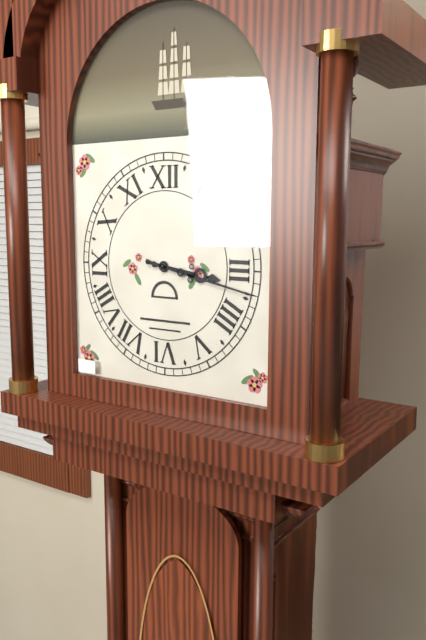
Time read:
3.17
